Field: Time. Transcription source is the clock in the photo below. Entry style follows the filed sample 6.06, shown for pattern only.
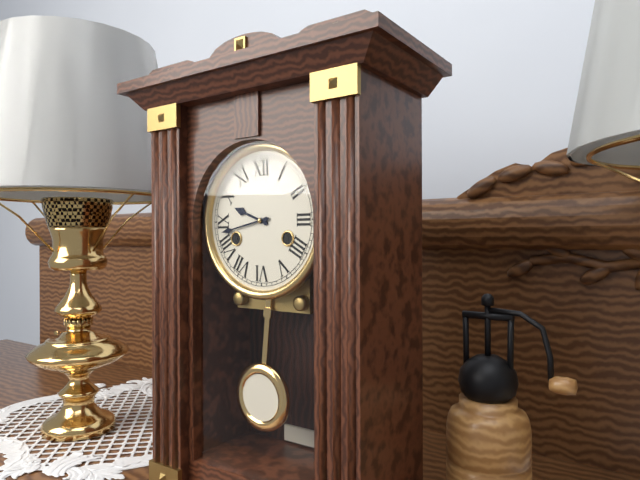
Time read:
9.43
